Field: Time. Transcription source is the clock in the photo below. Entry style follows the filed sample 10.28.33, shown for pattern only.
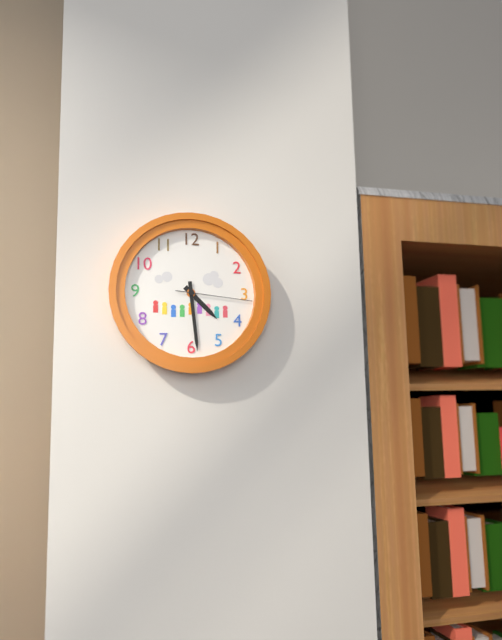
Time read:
4.29.16
